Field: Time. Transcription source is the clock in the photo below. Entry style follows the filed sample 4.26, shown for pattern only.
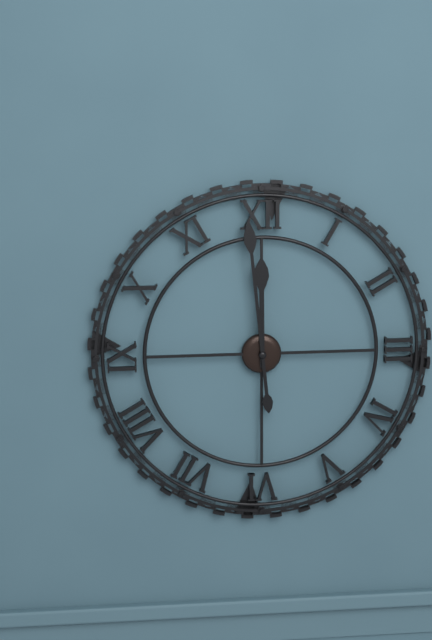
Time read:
11.59
